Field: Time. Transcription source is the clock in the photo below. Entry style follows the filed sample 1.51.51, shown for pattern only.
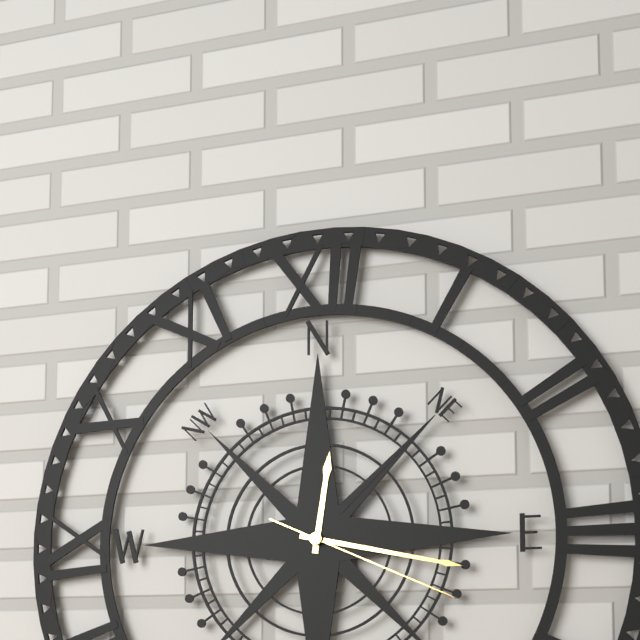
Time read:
12.17.19
